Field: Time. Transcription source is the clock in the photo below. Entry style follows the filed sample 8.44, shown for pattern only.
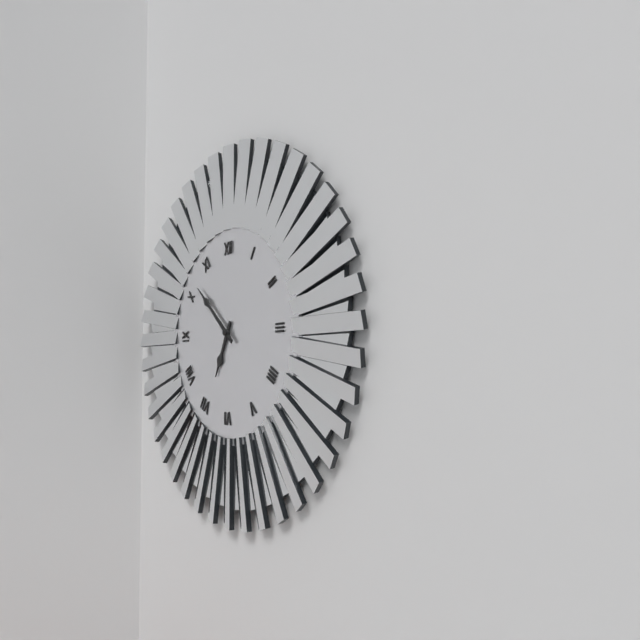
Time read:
6.52
